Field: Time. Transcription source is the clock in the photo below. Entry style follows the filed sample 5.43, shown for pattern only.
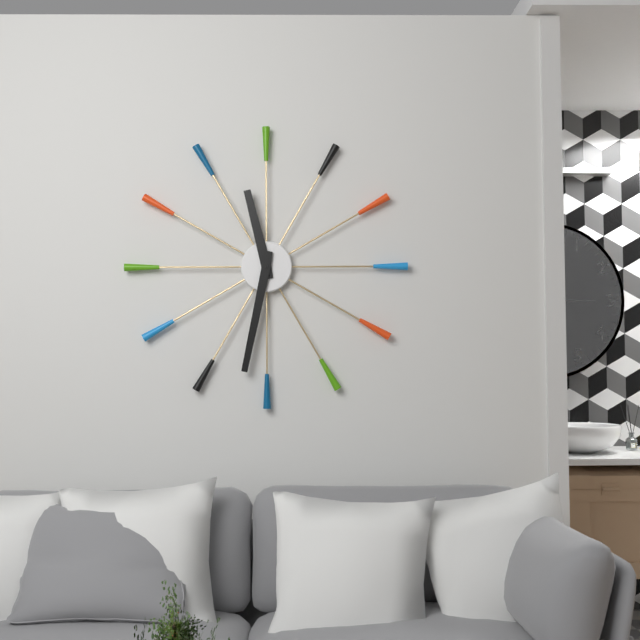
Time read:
11.32
